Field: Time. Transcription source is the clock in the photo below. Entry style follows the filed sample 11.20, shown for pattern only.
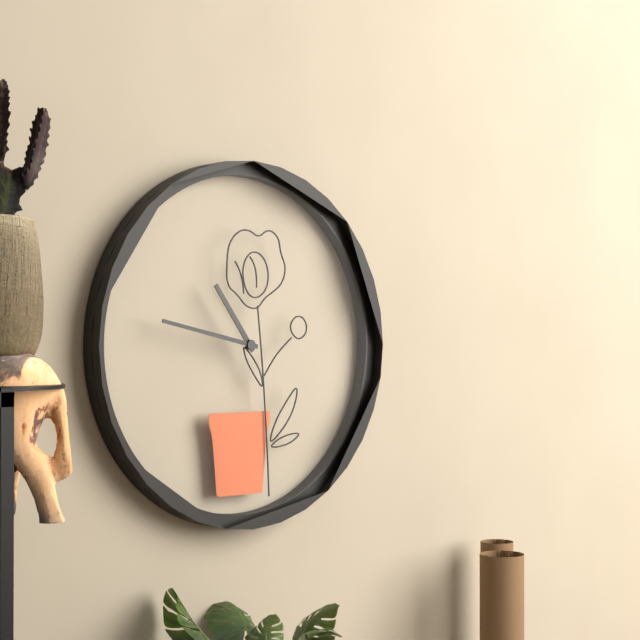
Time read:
10.47
